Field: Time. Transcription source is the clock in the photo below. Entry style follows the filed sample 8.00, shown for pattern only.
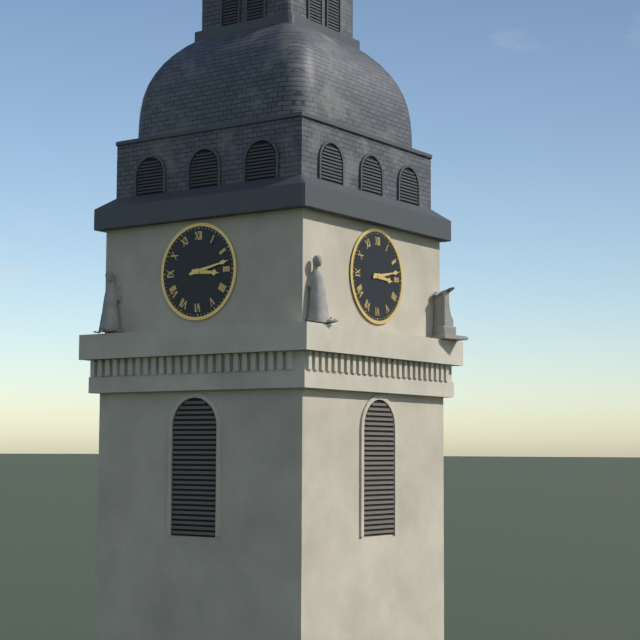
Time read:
3.13
